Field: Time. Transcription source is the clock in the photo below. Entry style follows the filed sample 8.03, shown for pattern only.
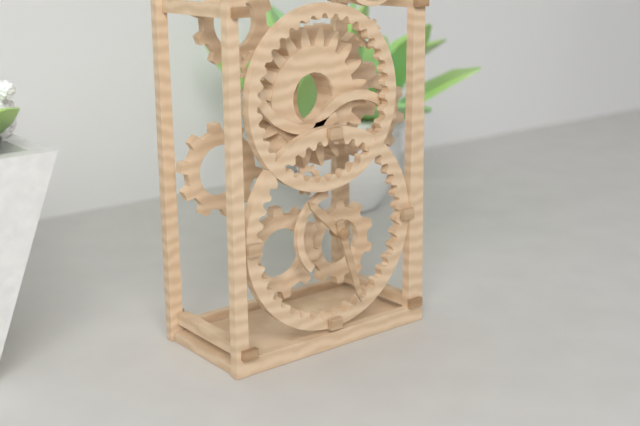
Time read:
10.27
